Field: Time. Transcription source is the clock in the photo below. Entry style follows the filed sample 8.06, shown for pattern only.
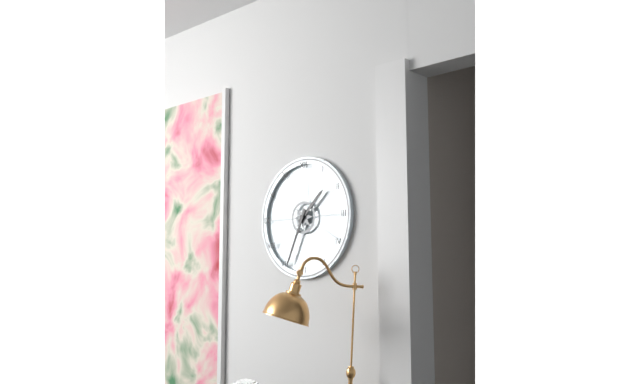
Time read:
1.34
